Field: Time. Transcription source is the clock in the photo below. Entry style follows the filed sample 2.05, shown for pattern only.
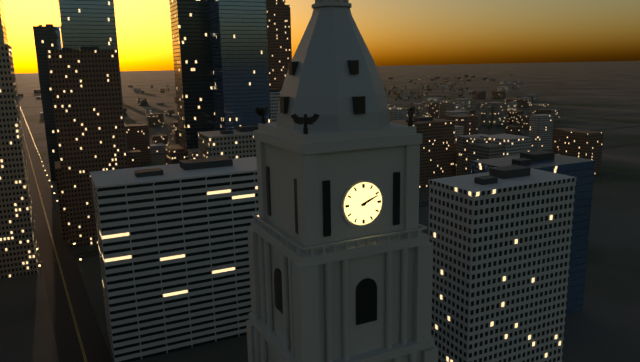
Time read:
2.11
